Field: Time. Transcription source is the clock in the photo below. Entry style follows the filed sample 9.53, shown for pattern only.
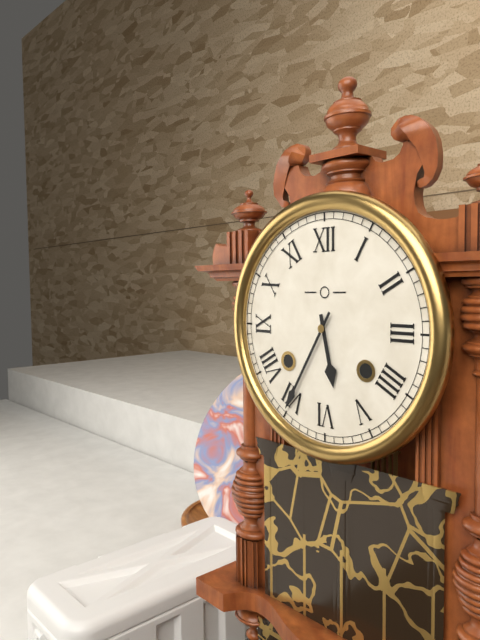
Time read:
5.35
